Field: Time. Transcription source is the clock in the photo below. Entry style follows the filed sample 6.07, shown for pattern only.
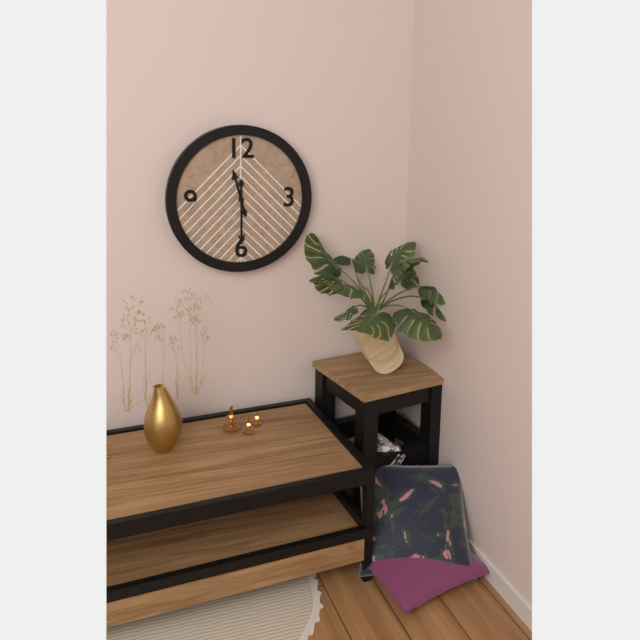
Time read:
11.30
